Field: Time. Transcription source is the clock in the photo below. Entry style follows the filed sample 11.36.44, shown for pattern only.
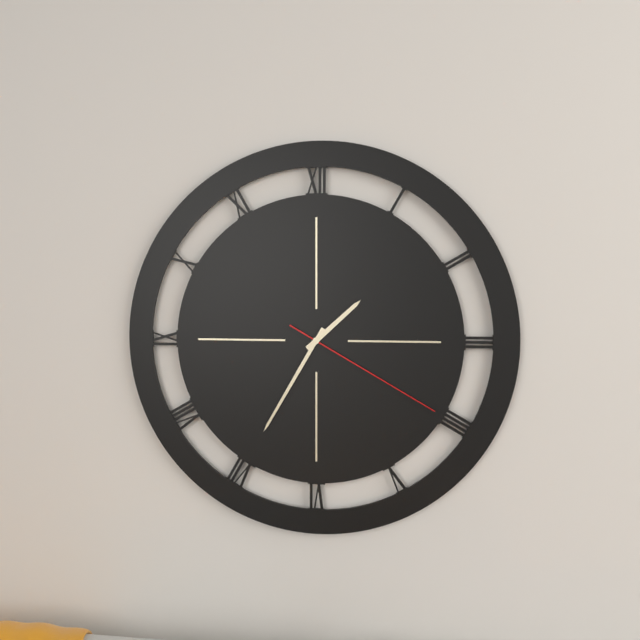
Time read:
1.35.20
